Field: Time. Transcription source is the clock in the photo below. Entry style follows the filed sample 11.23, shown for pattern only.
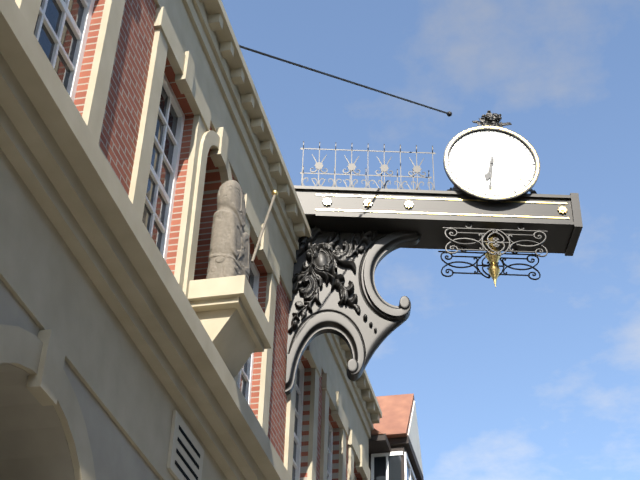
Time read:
6.31
